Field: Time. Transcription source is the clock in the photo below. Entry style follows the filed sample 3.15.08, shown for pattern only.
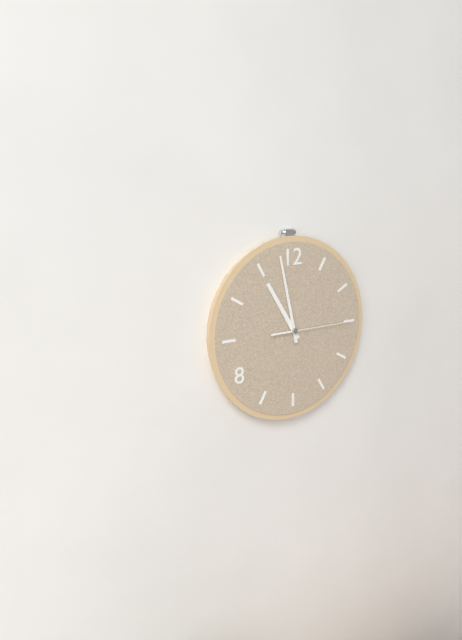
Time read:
10.58.15
